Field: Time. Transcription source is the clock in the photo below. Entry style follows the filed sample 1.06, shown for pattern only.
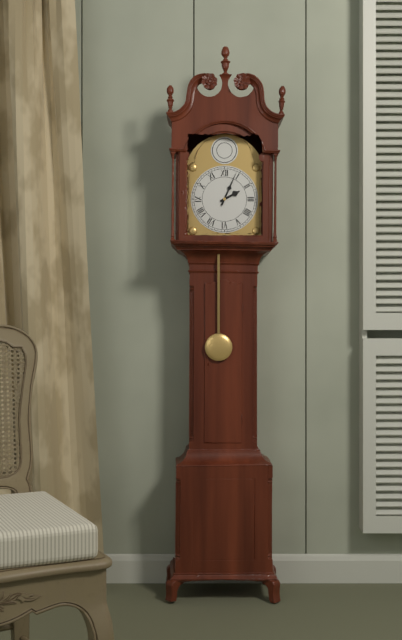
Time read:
2.04
